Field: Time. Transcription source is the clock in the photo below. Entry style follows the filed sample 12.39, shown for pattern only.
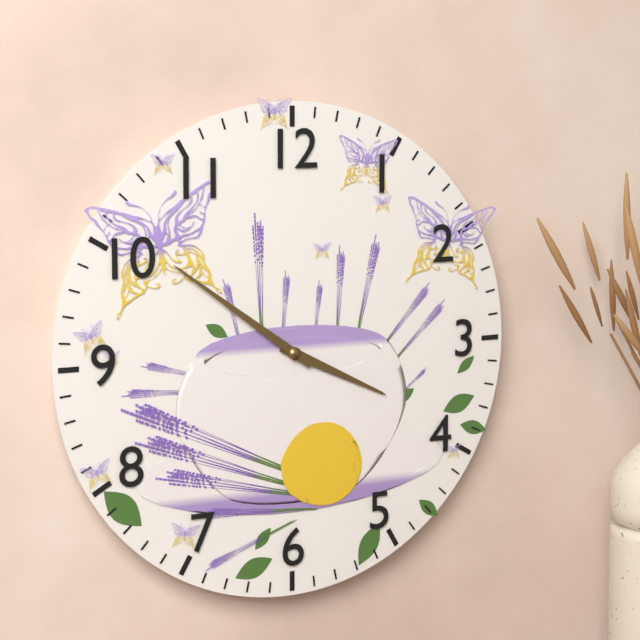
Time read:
3.51
